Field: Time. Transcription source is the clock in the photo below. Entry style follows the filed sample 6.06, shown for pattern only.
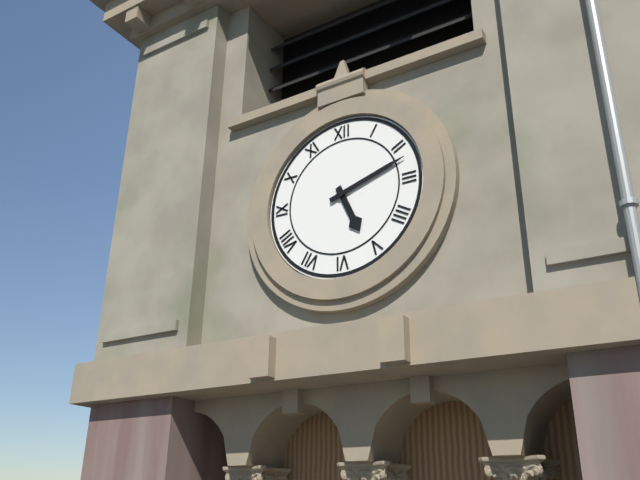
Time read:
5.12
